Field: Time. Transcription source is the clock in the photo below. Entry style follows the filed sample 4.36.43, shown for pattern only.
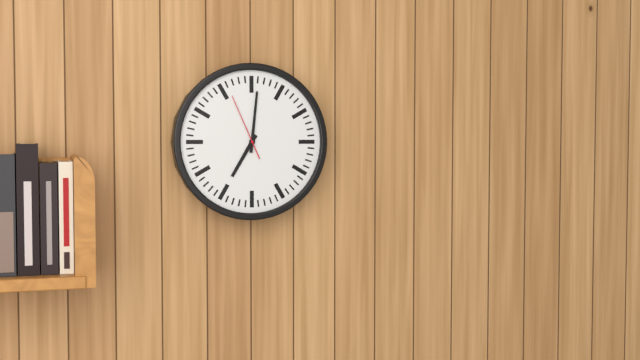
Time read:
7.01.56
